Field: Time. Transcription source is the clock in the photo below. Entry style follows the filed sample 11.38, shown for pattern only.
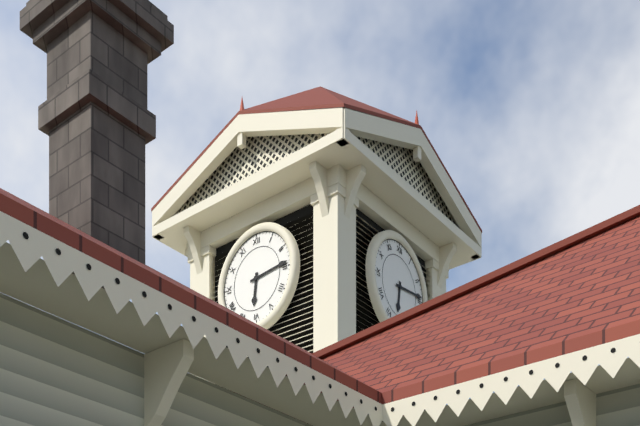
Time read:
6.14
